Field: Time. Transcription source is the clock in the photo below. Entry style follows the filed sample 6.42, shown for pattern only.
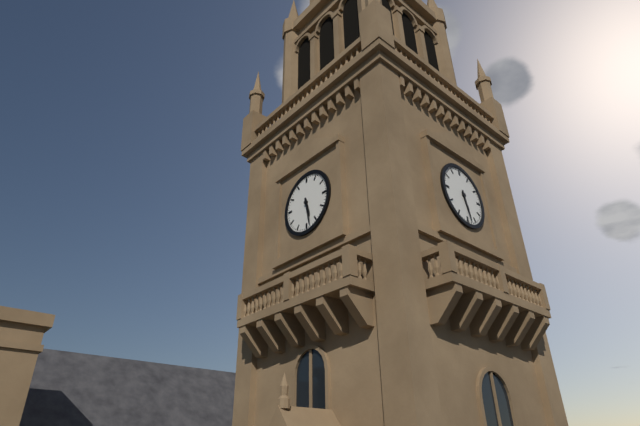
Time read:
5.28
